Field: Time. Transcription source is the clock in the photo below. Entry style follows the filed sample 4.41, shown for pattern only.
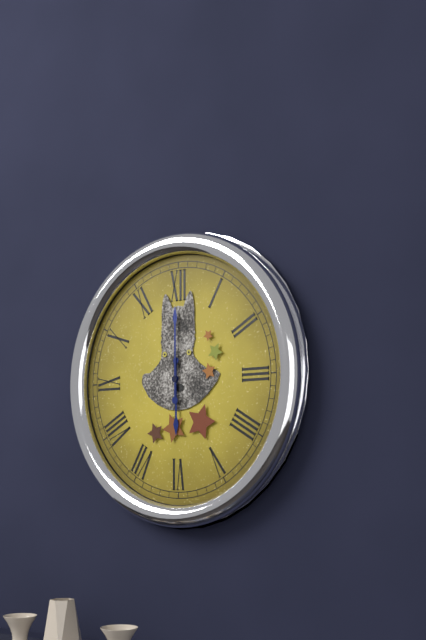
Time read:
6.00
